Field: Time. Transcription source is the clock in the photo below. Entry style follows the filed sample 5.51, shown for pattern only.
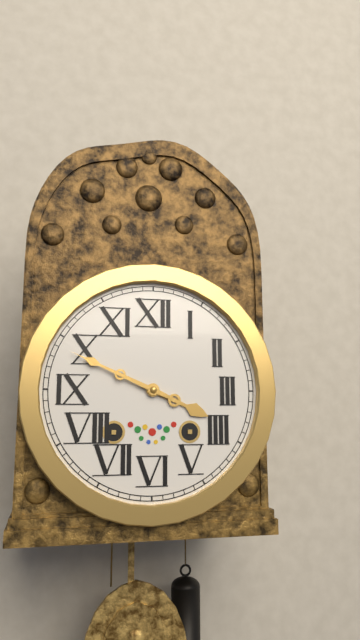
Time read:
3.49
